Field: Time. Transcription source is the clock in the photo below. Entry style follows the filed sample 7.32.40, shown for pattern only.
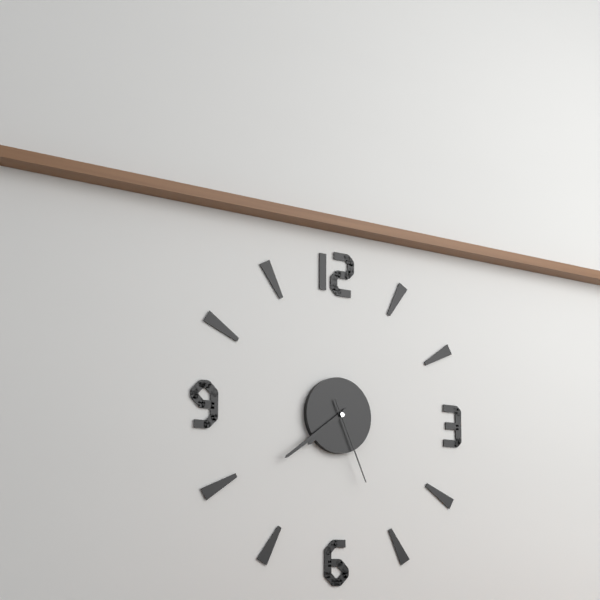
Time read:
7.39.26
